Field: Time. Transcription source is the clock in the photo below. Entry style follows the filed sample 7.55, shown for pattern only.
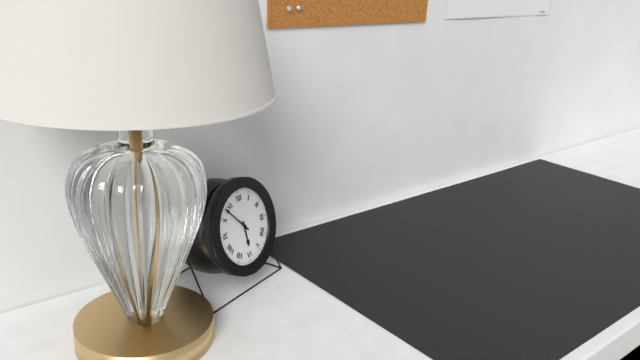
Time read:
5.53
